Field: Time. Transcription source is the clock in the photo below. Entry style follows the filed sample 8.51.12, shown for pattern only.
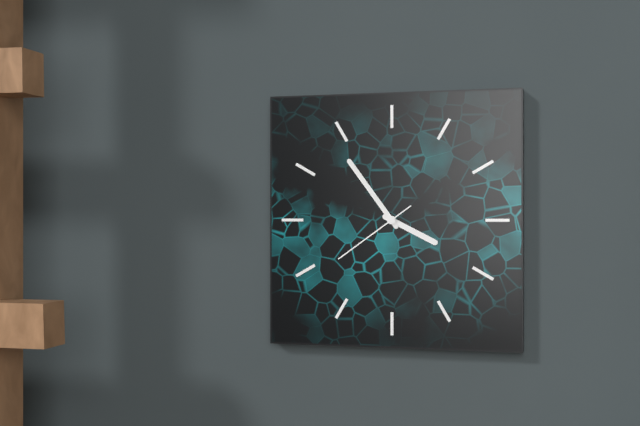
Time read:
3.54.39
